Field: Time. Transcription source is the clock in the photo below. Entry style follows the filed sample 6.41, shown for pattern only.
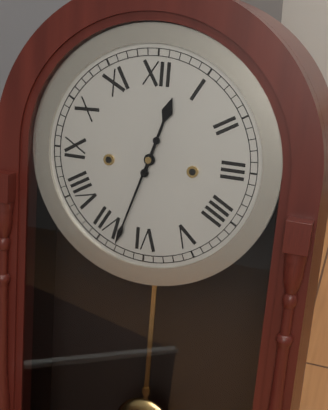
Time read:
12.33
